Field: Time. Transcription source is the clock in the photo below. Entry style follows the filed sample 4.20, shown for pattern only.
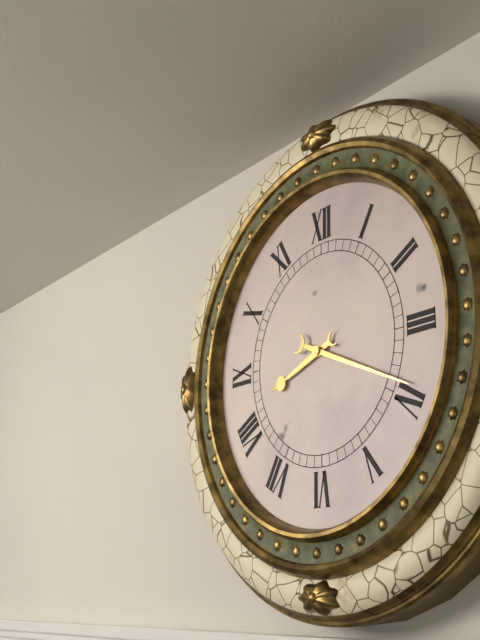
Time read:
8.19
